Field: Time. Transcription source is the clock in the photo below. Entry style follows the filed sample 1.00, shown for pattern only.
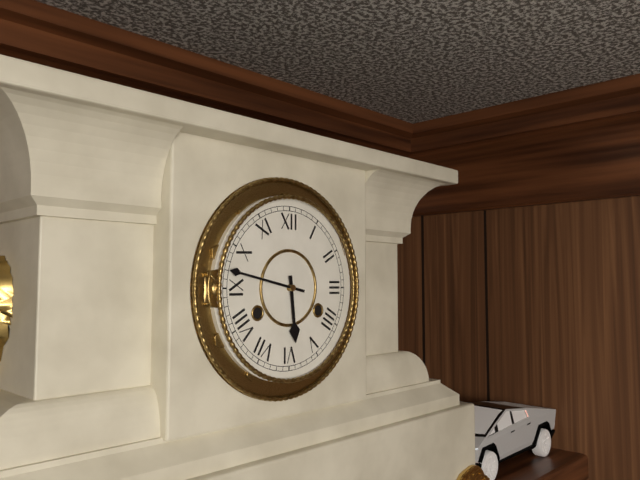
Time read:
5.47
